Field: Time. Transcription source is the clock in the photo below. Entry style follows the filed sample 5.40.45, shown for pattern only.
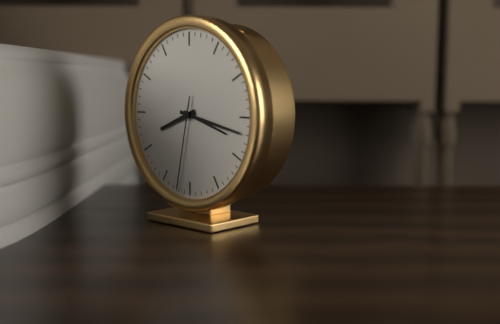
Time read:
8.17.32
